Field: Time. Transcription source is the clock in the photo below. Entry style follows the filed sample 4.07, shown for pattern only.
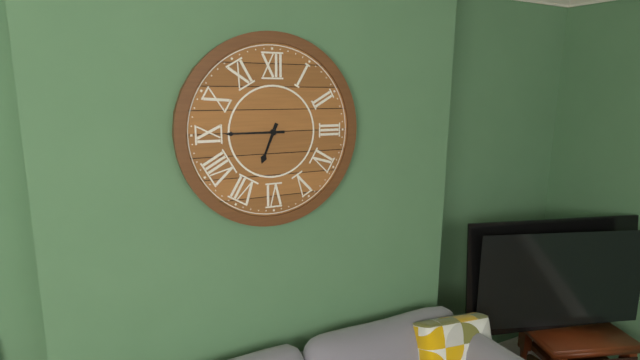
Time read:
6.45
